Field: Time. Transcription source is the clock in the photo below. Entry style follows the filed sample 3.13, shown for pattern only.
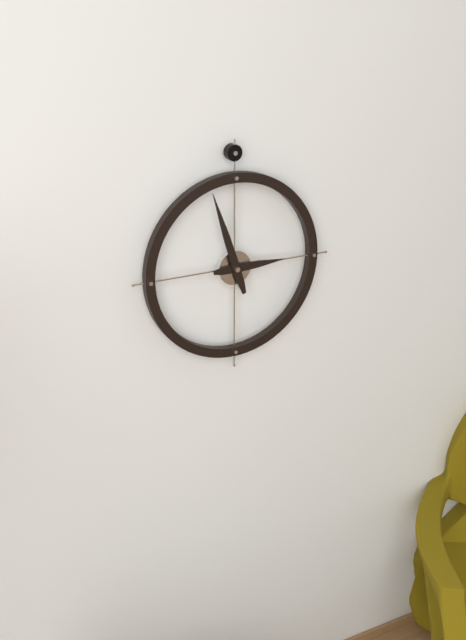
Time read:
2.57
